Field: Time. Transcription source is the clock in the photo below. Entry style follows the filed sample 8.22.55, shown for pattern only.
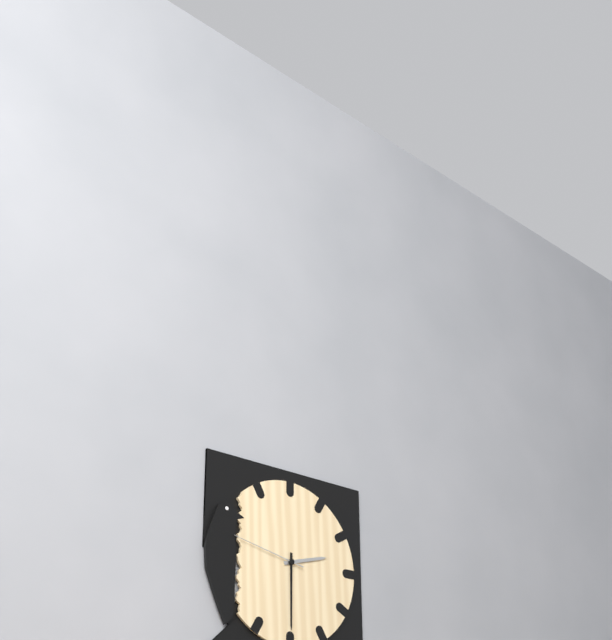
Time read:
2.30.47
